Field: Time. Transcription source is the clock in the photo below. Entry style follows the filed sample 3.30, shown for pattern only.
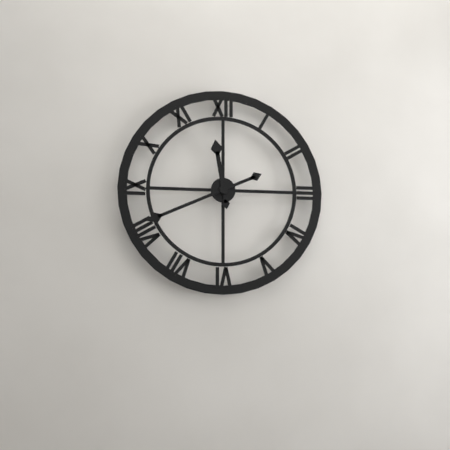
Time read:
11.41
